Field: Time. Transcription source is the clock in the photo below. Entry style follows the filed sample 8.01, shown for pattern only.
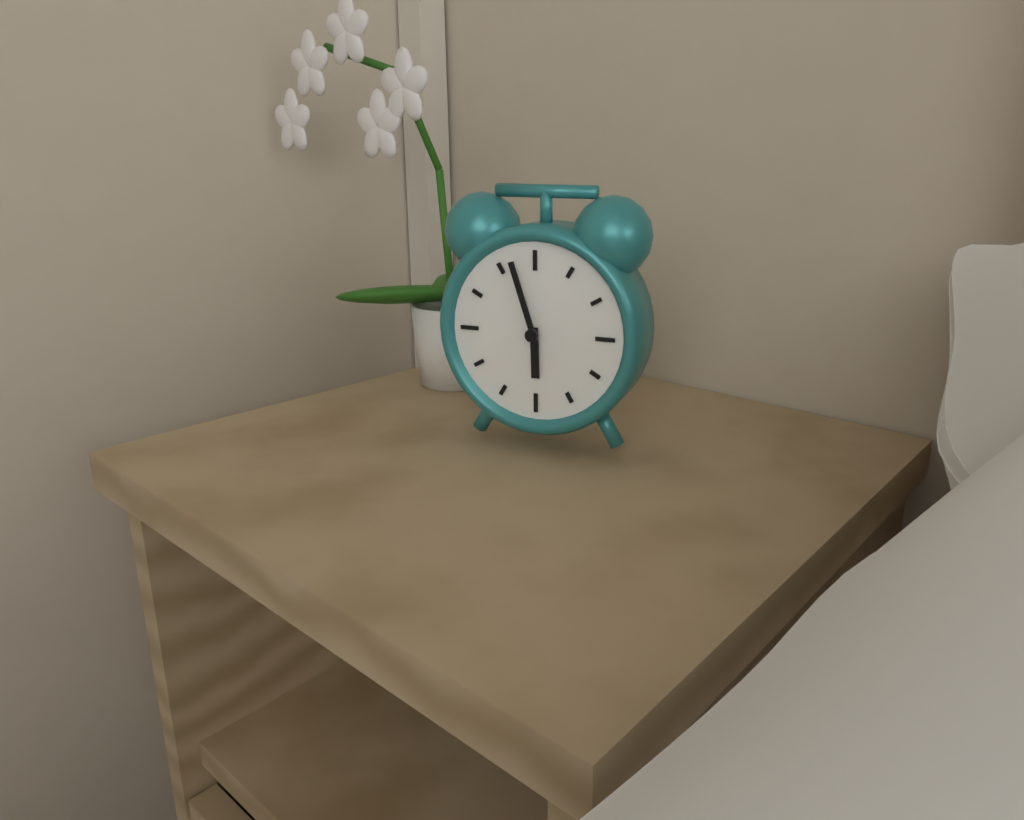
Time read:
5.57
